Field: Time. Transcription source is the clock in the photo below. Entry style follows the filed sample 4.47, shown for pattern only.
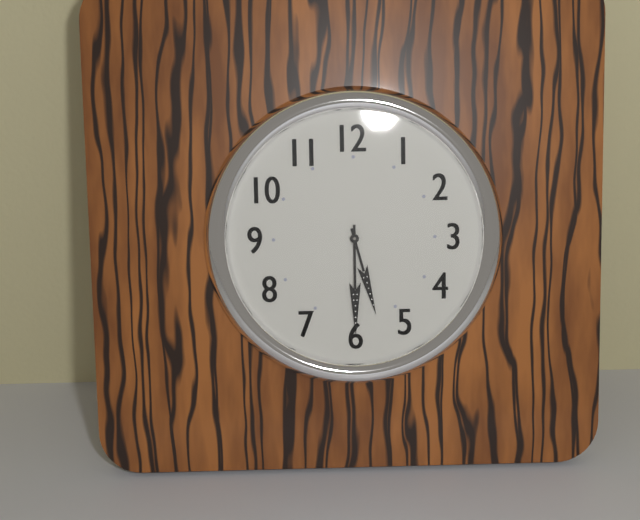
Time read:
5.30
